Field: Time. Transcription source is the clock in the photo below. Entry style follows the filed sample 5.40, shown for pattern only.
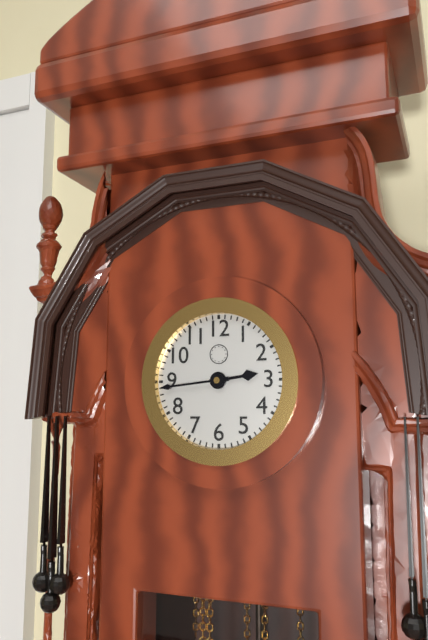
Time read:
2.44
